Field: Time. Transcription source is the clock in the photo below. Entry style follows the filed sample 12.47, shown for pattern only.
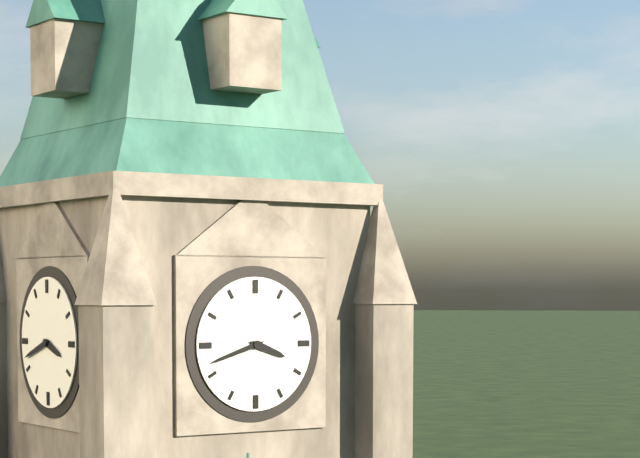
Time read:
3.42
